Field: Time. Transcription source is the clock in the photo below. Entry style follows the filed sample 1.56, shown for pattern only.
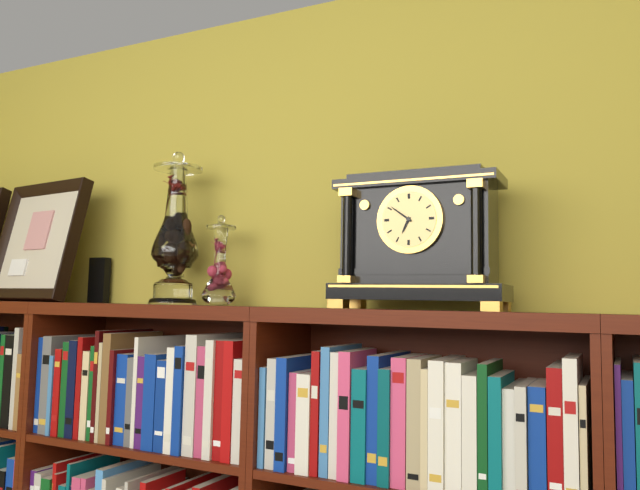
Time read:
6.51
